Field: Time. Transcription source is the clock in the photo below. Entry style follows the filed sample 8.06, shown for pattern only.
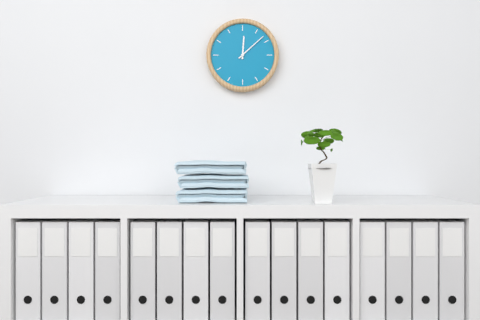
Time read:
12.08
